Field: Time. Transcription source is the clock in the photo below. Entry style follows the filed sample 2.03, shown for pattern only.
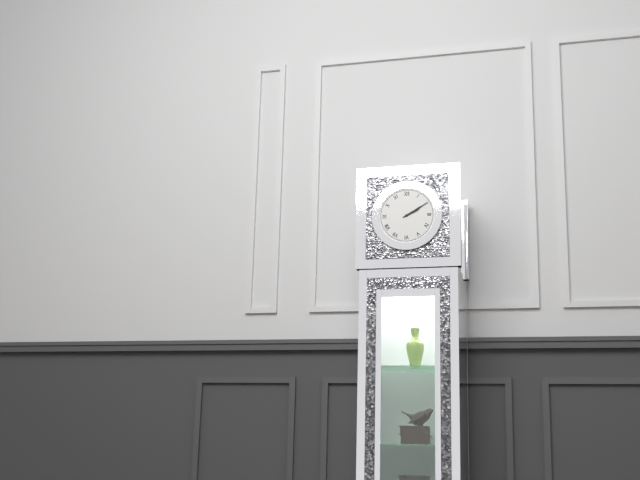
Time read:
2.10
